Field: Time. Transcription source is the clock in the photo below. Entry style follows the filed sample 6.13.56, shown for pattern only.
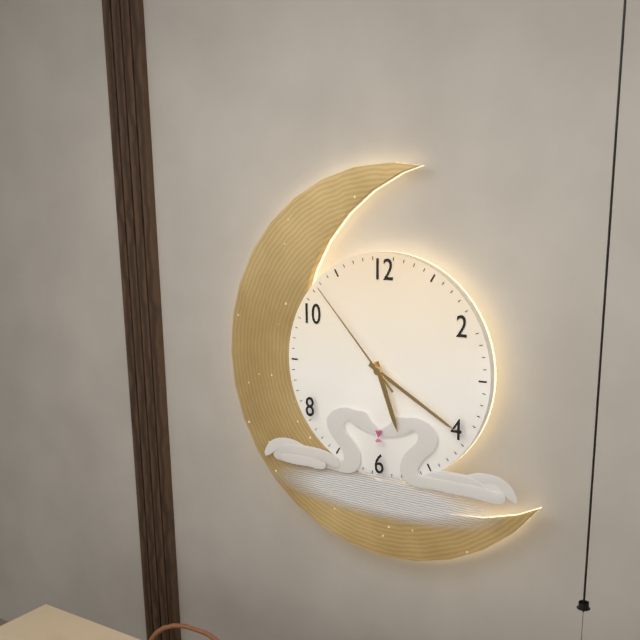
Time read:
5.20.53
